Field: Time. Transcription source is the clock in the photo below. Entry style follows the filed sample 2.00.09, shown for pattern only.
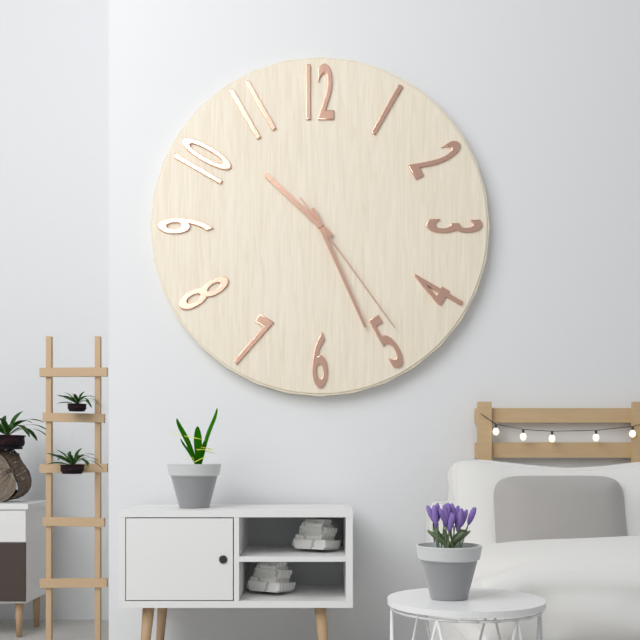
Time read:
10.26.24
